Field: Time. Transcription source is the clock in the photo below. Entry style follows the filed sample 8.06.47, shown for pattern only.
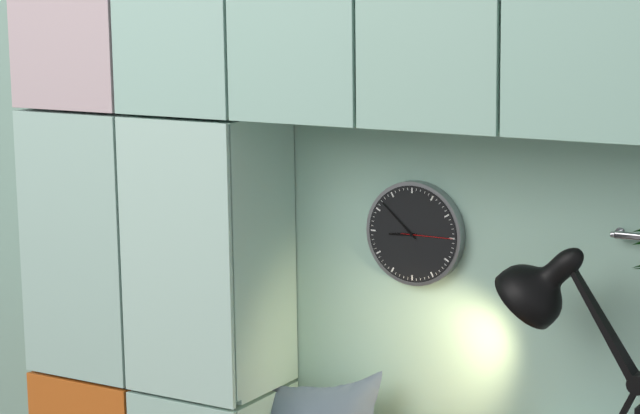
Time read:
8.52.15
